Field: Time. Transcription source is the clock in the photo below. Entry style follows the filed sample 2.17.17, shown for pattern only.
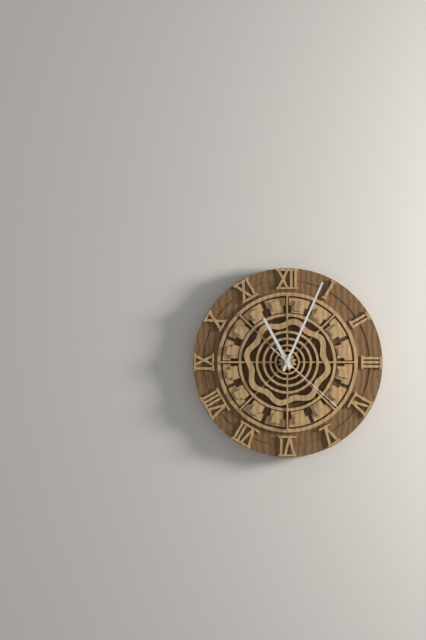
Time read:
11.04.22
